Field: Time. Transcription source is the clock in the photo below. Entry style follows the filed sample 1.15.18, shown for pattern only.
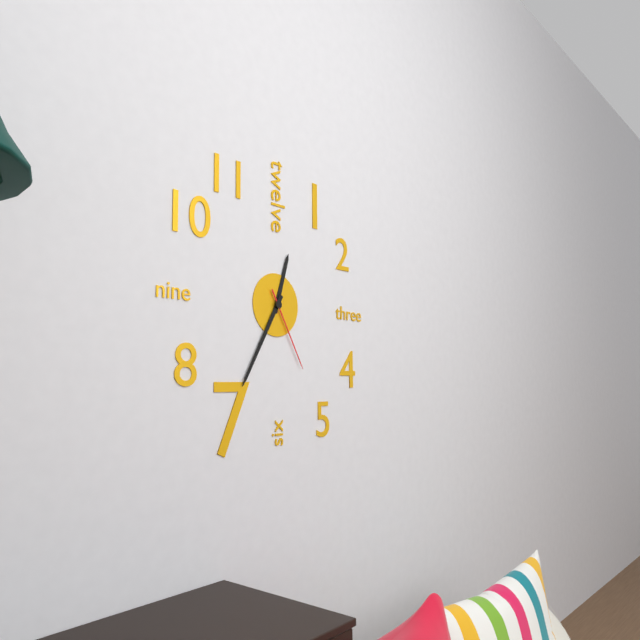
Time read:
12.35.25
